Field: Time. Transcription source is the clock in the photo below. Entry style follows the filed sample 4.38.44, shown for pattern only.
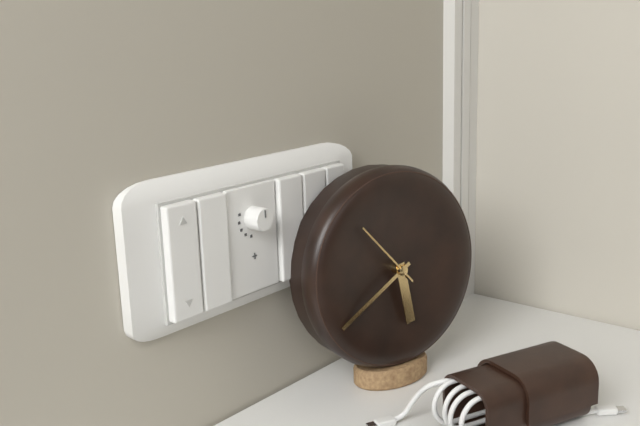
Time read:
5.40.53
